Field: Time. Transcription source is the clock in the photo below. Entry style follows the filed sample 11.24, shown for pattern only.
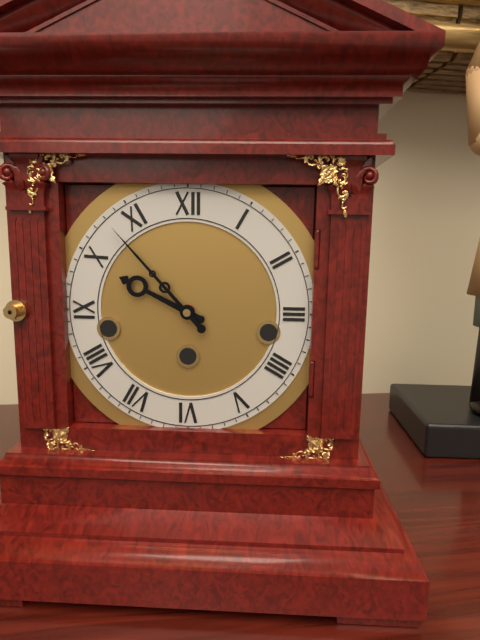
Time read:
9.53
